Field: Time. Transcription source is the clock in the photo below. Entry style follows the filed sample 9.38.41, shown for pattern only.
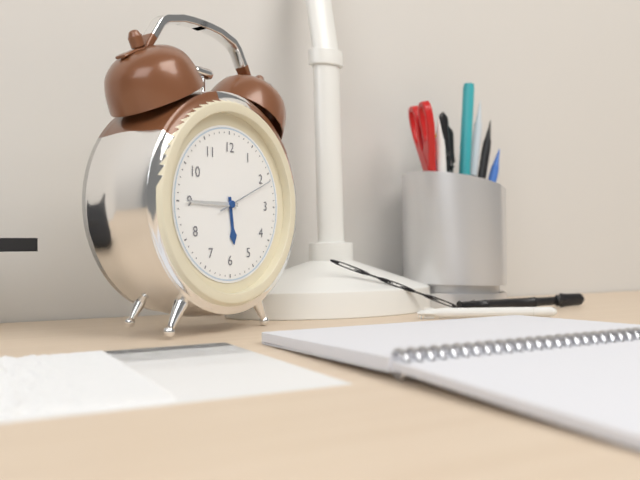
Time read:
5.45.11
